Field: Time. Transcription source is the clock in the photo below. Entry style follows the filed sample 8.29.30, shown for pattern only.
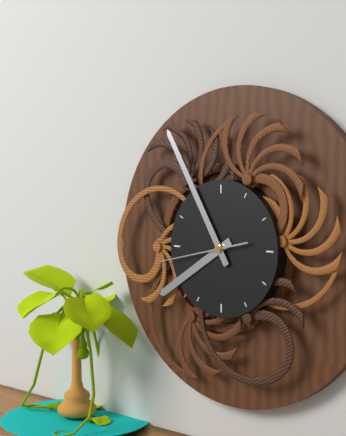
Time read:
7.55.43
